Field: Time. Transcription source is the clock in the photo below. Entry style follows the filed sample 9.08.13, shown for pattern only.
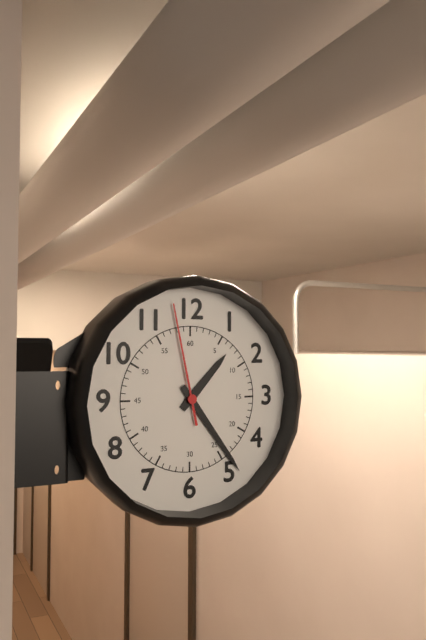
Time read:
1.24.58
